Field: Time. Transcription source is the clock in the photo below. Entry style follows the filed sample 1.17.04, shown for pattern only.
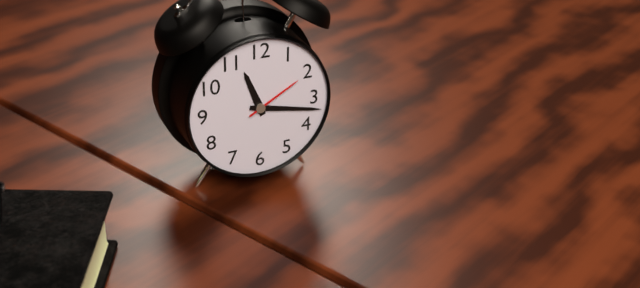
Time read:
11.17.10
